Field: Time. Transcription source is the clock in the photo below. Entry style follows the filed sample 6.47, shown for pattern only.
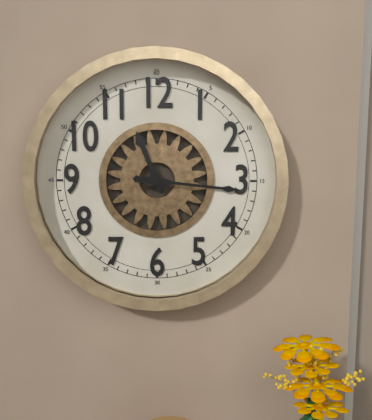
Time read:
11.16
